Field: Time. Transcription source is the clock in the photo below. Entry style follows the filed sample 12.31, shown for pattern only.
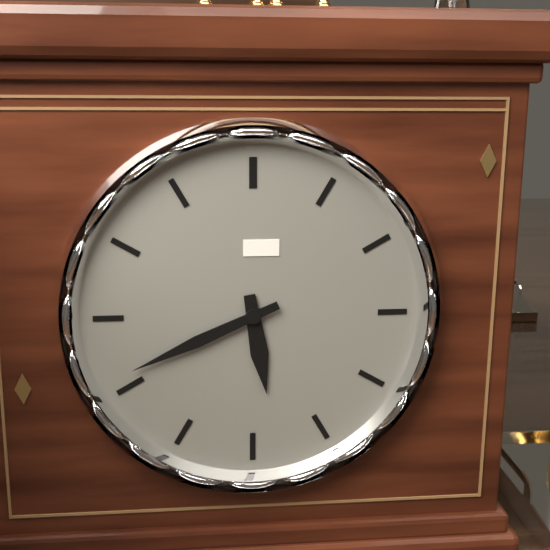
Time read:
5.41
